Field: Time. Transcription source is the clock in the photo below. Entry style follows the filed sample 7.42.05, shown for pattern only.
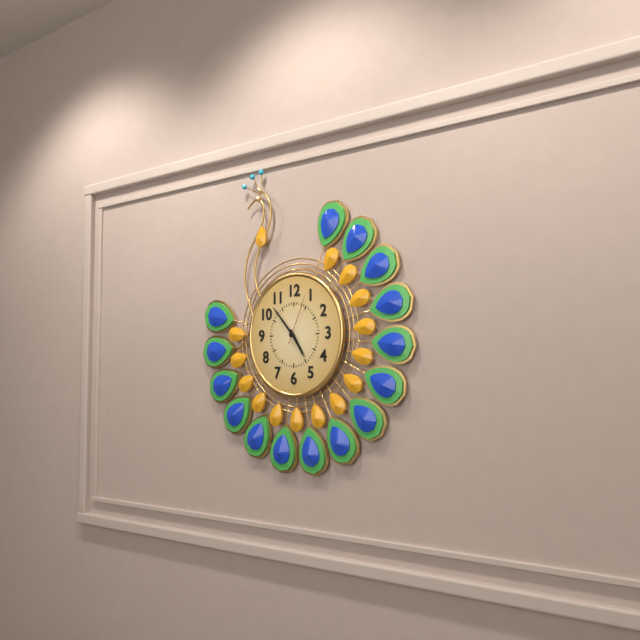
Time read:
4.53.04
